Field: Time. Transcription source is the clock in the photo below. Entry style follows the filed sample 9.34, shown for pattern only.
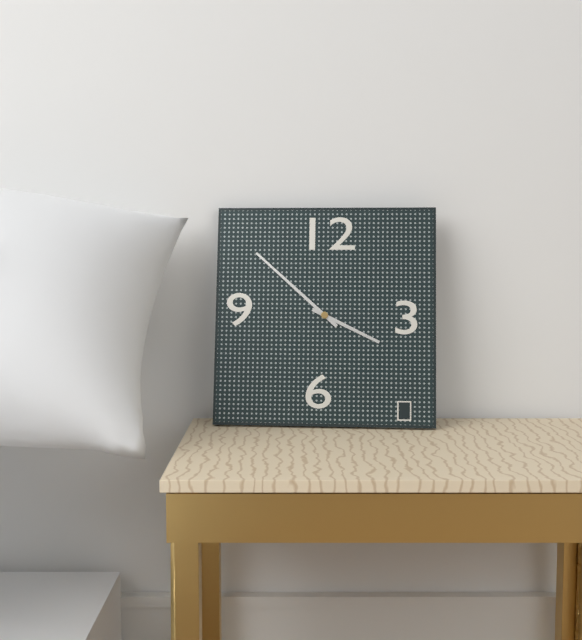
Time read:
3.52
